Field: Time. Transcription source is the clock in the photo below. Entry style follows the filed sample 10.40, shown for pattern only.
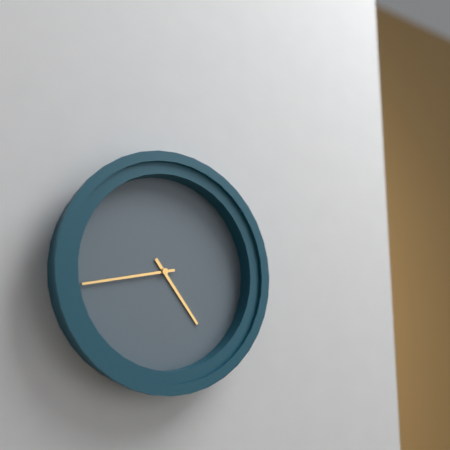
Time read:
4.43
